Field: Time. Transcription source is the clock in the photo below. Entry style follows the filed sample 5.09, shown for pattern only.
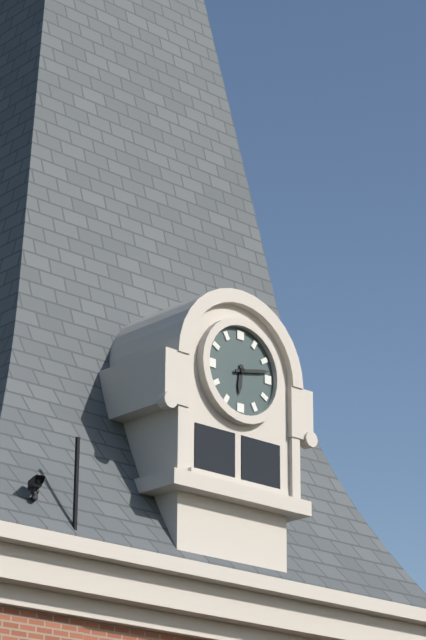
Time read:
6.13
